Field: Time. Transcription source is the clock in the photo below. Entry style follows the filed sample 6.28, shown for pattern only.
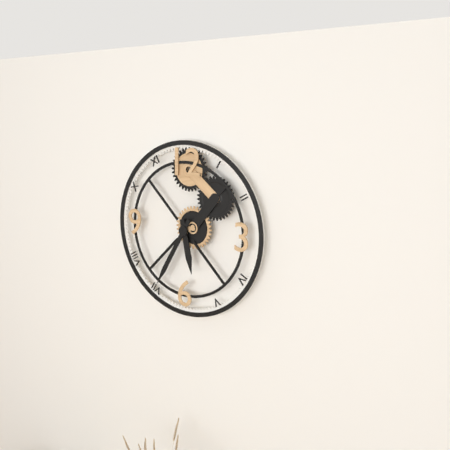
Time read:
5.35
